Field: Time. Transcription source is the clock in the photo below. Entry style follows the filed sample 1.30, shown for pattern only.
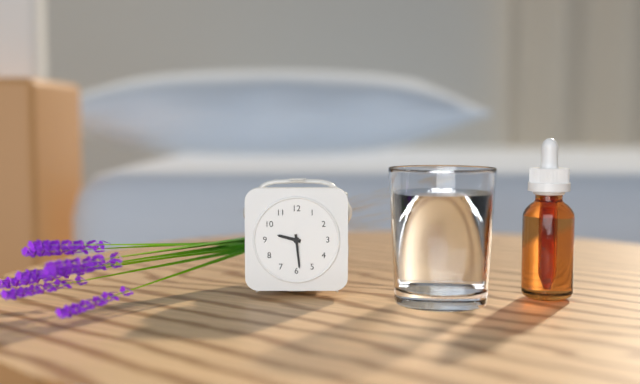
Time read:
9.29
